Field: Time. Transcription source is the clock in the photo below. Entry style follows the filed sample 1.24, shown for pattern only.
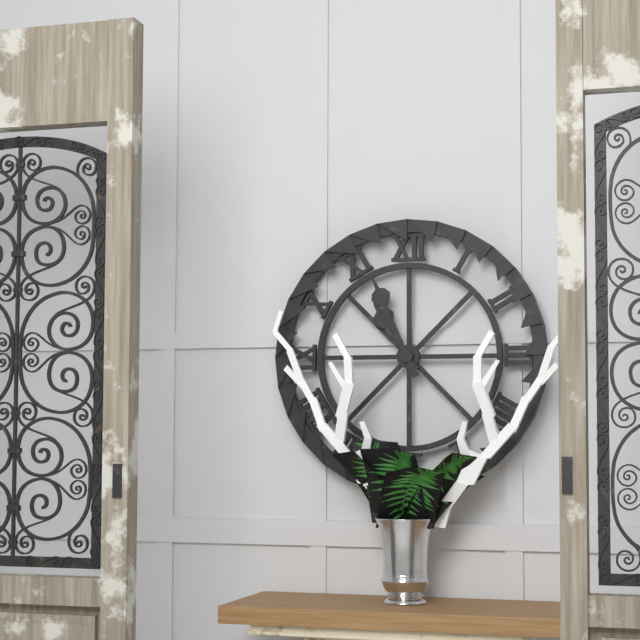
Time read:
10.56
